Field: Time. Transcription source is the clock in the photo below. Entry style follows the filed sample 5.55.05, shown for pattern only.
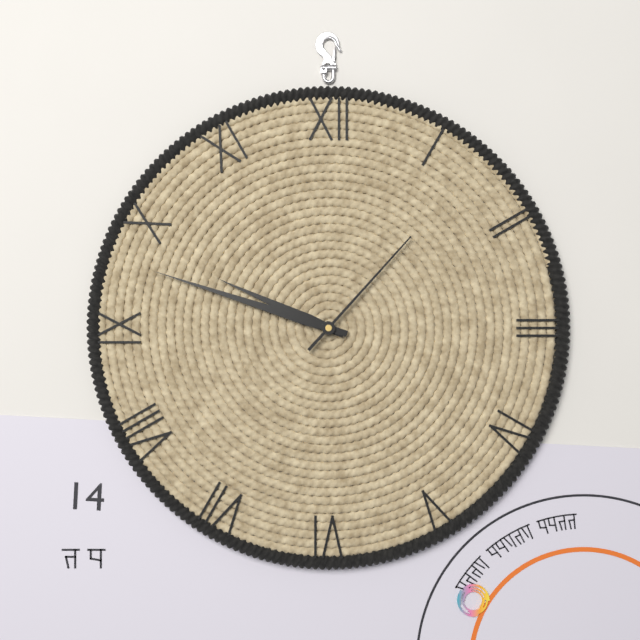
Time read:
9.48.07
